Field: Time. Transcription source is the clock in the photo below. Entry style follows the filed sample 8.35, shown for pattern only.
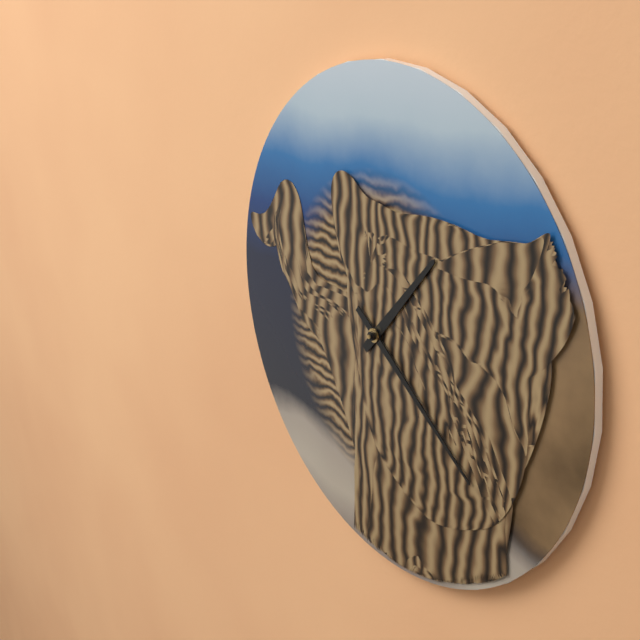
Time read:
1.21
